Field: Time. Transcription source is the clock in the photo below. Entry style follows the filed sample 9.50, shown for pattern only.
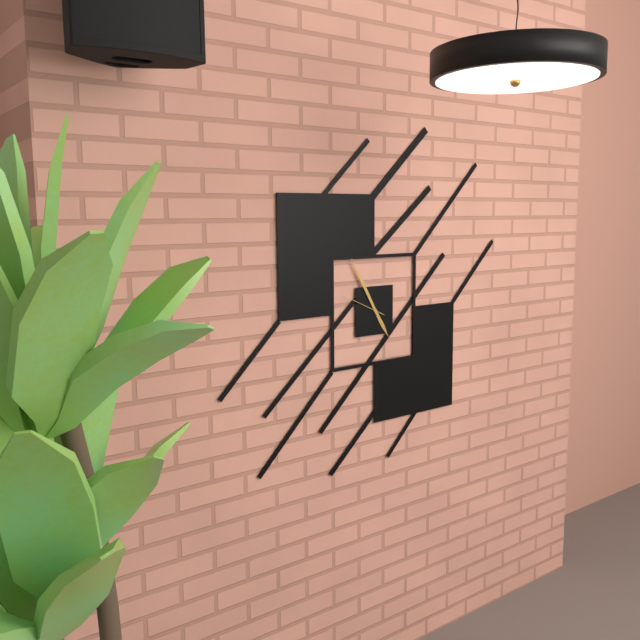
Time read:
4.55
